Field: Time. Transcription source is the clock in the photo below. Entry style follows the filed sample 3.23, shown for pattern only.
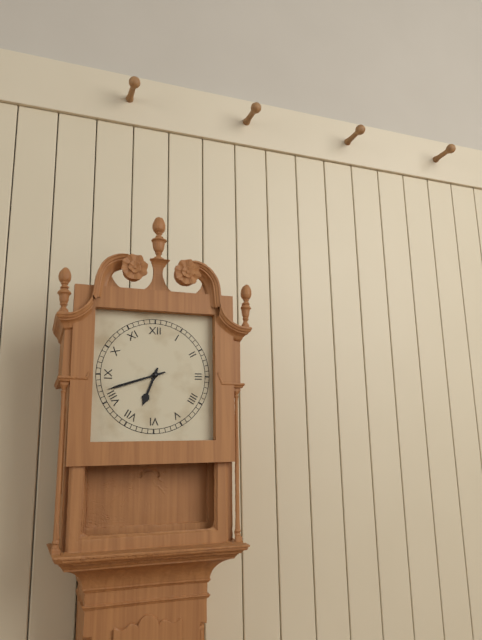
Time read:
6.42
